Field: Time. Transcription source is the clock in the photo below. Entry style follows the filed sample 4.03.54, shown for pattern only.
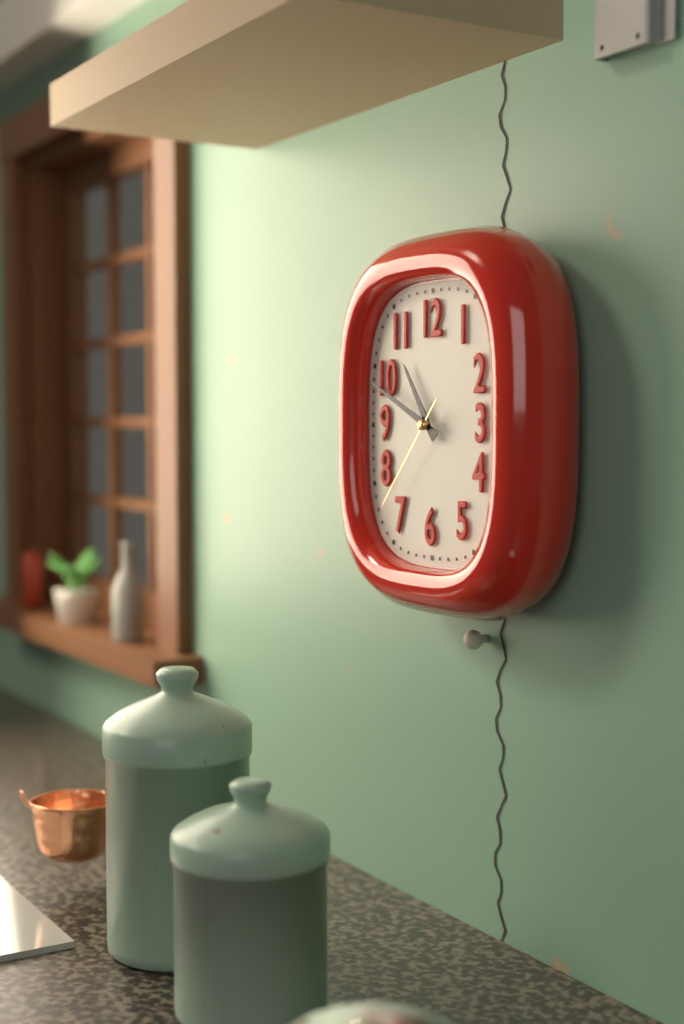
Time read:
10.49.37
